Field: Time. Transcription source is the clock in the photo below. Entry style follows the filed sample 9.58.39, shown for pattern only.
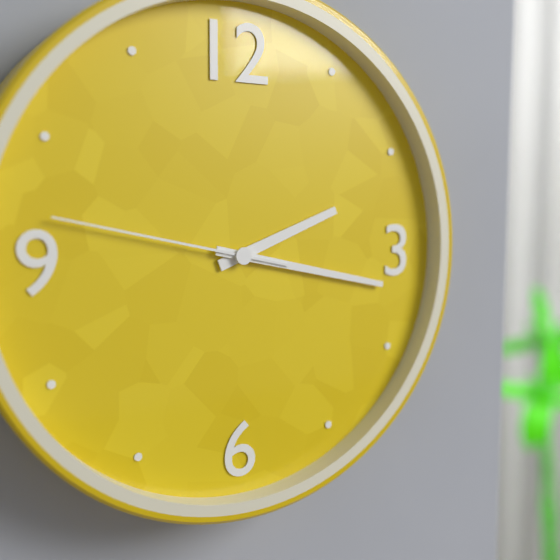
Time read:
2.17.47
